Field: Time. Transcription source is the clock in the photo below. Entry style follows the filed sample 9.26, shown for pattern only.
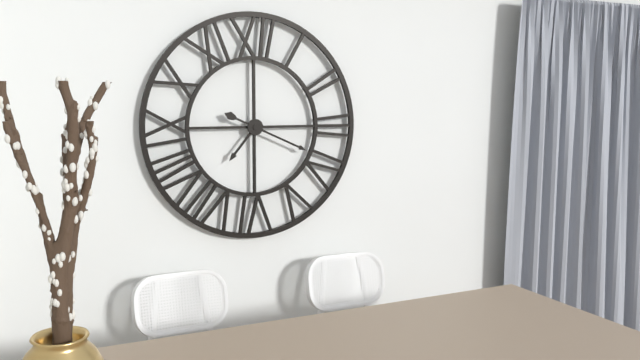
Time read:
7.19
